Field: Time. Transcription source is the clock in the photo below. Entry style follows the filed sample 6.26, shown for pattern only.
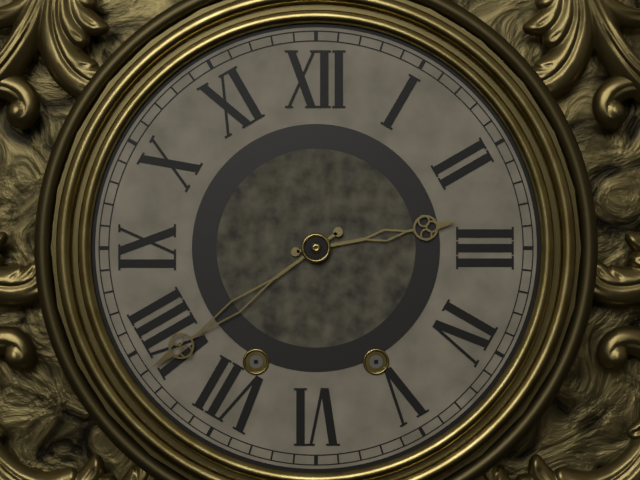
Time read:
2.39
